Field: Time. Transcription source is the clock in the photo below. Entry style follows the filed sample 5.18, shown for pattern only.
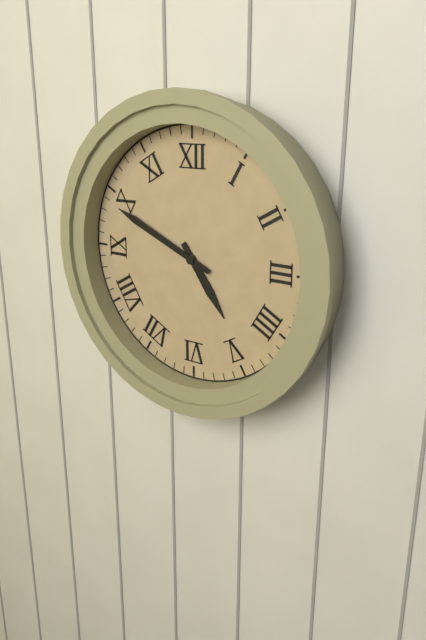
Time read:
4.49
